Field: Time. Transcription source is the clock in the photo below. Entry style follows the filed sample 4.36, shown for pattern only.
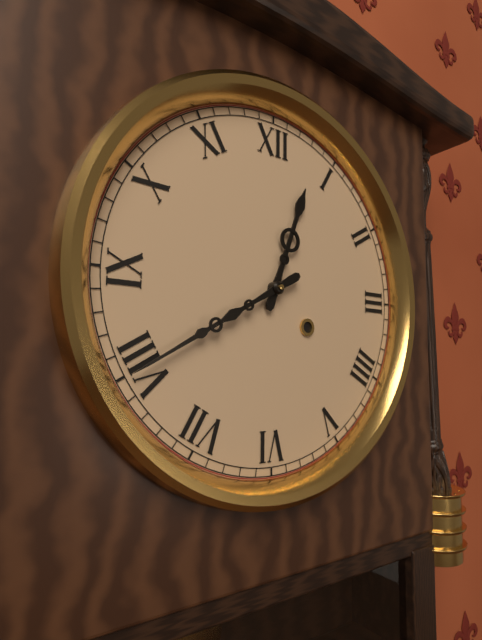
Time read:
12.40
